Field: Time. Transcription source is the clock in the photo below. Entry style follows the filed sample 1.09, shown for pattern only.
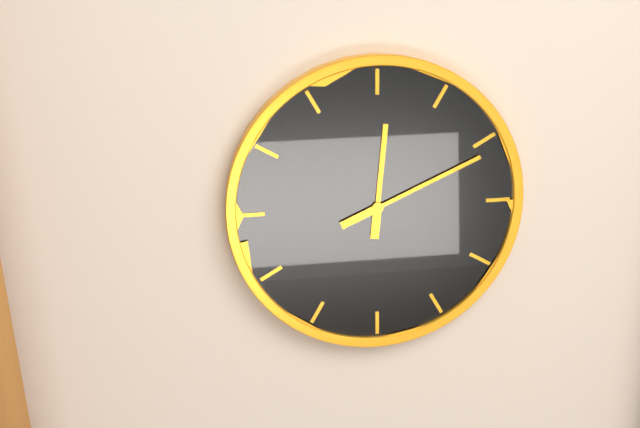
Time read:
12.11
